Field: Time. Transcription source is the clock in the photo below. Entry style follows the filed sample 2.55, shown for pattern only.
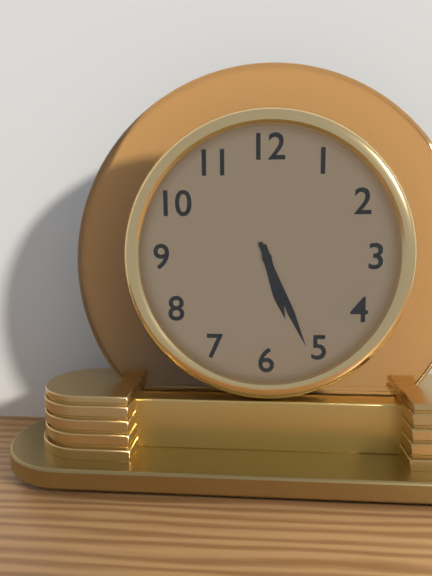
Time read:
5.26
